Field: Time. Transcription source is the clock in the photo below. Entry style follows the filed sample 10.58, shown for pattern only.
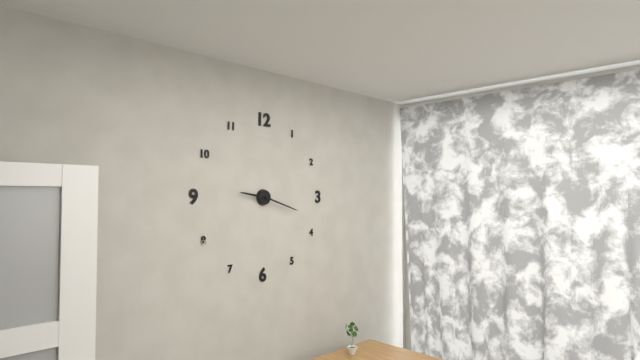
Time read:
9.18
